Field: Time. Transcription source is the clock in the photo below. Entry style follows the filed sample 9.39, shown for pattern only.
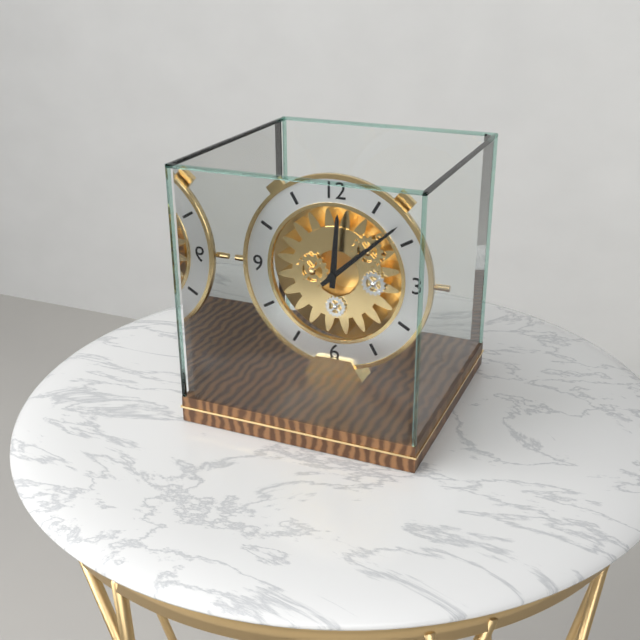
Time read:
12.08
